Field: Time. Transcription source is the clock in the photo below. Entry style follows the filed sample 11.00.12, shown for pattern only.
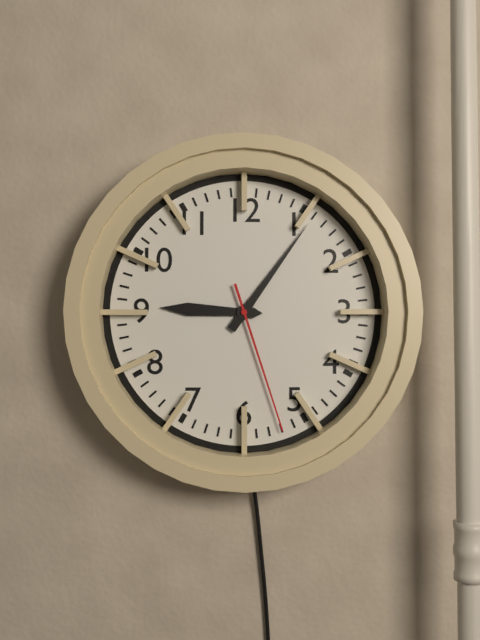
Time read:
9.06.27
